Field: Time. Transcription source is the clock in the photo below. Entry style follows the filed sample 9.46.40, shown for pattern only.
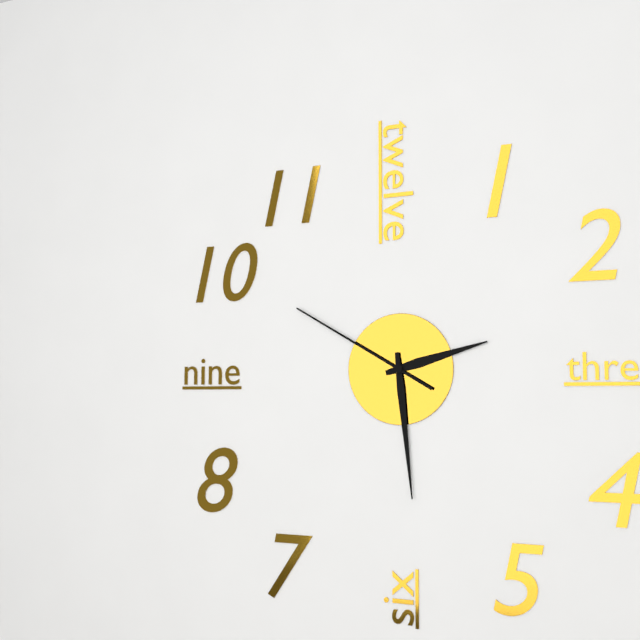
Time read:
2.29.50
